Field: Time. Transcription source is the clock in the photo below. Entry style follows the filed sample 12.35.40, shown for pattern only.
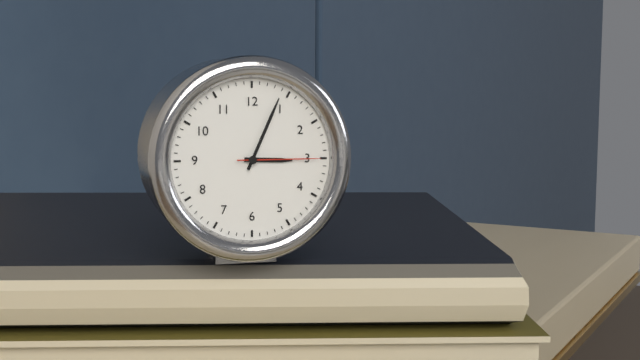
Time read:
3.04.15
